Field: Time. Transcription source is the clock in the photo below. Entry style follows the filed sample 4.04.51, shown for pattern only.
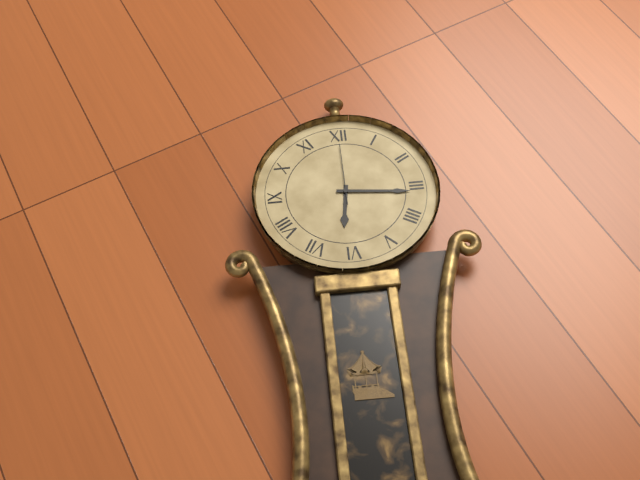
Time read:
6.16.00
